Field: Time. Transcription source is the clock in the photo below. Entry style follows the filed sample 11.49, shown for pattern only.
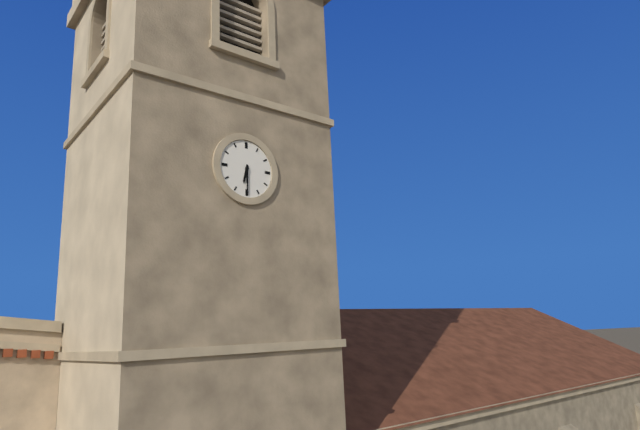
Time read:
6.30
